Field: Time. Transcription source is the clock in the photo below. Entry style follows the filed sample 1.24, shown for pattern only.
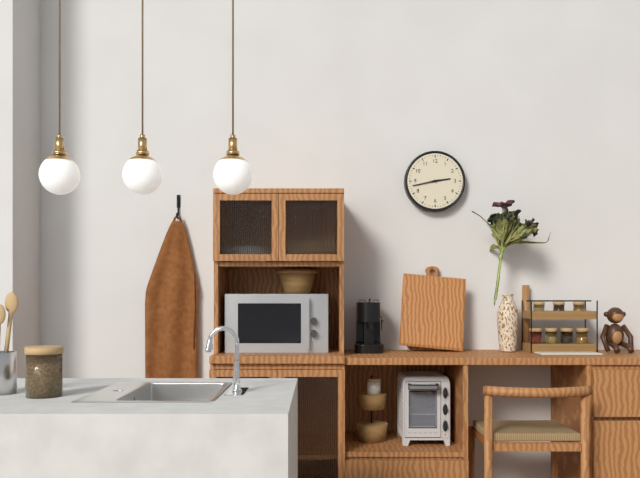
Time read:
2.43
